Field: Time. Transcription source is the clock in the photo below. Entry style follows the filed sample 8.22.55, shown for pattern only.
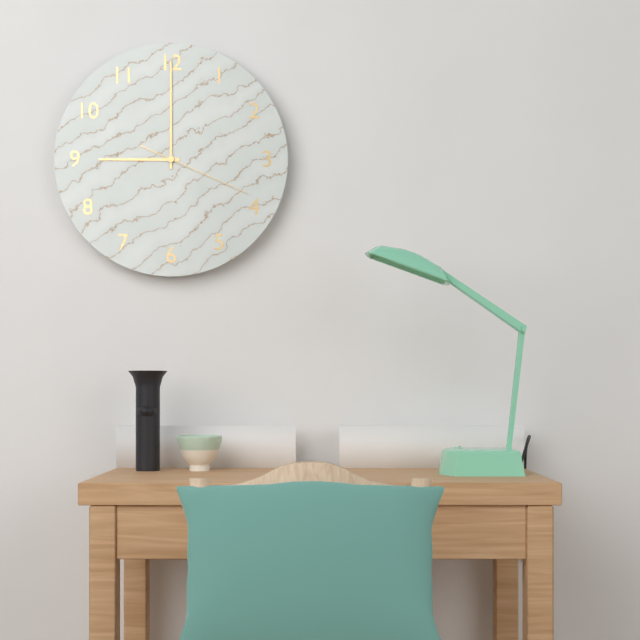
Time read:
9.00.19
